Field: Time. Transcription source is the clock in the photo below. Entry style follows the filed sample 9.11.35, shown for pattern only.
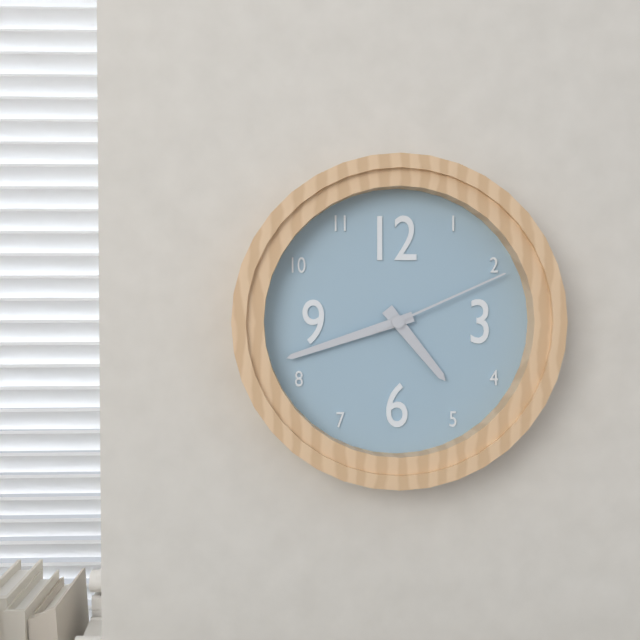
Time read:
4.42.11
